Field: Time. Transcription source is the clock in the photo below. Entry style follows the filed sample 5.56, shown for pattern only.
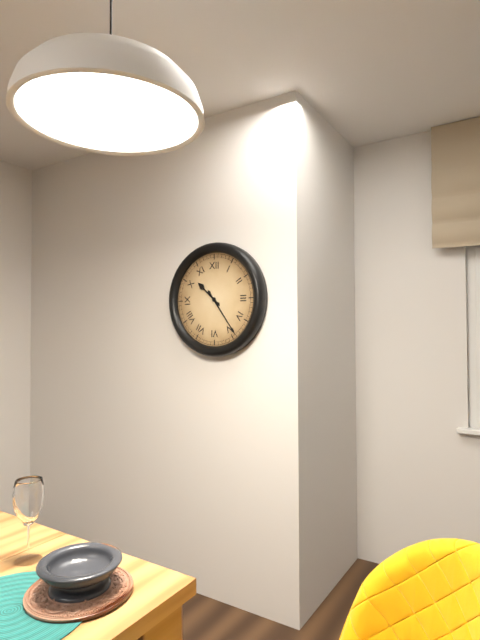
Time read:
10.24
